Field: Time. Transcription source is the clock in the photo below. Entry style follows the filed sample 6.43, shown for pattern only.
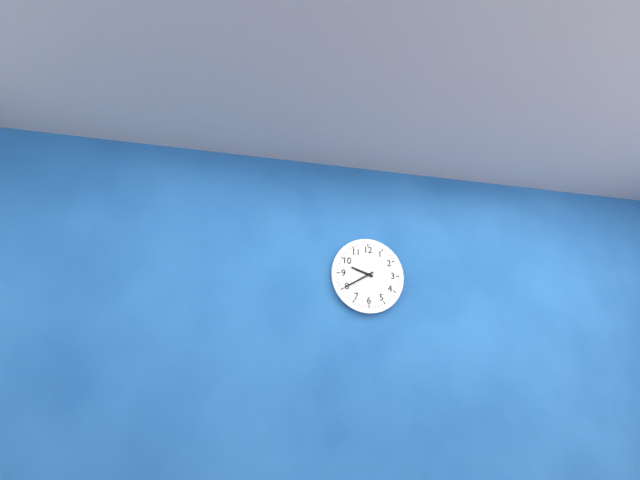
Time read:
9.40
